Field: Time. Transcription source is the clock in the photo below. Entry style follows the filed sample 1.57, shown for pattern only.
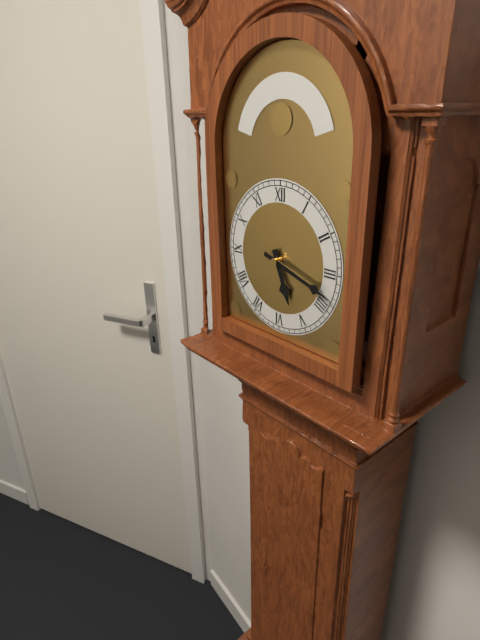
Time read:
5.18
